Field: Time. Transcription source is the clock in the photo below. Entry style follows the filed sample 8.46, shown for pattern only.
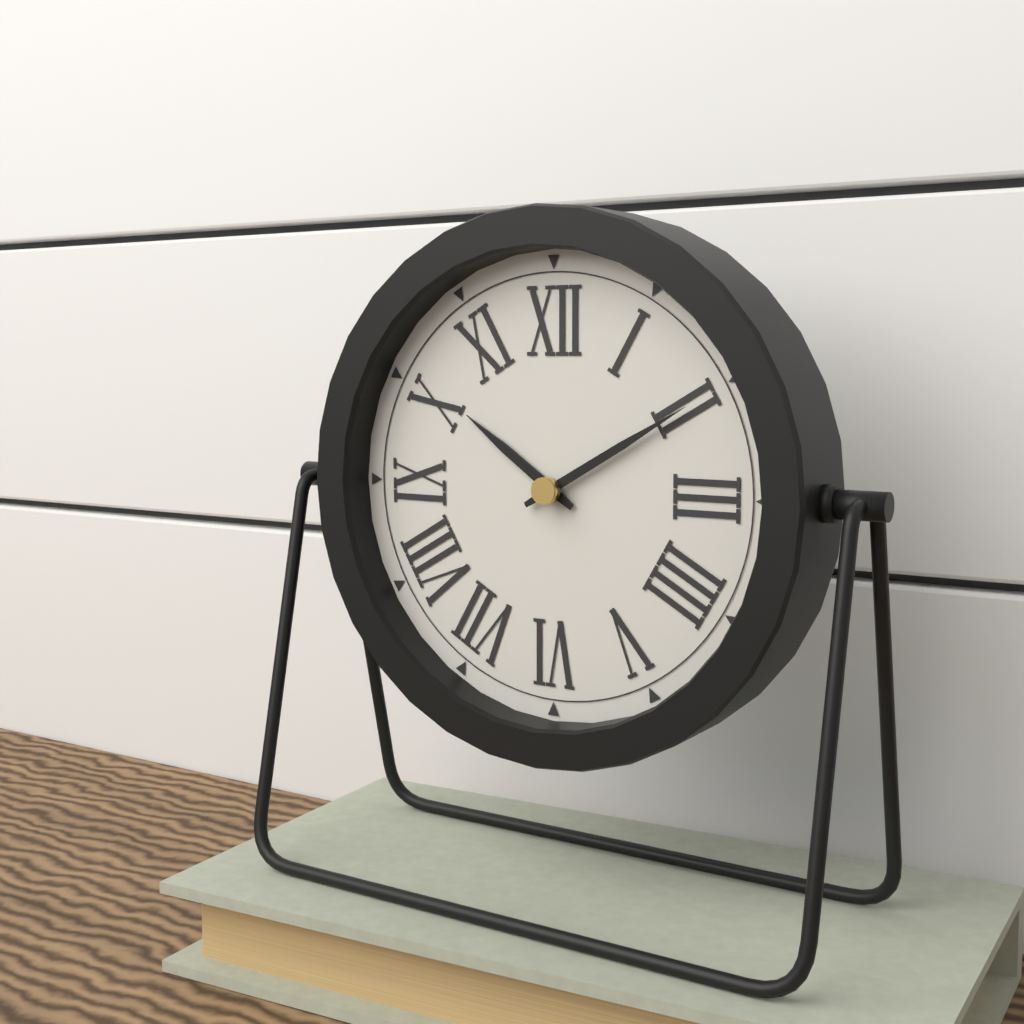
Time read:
10.10
